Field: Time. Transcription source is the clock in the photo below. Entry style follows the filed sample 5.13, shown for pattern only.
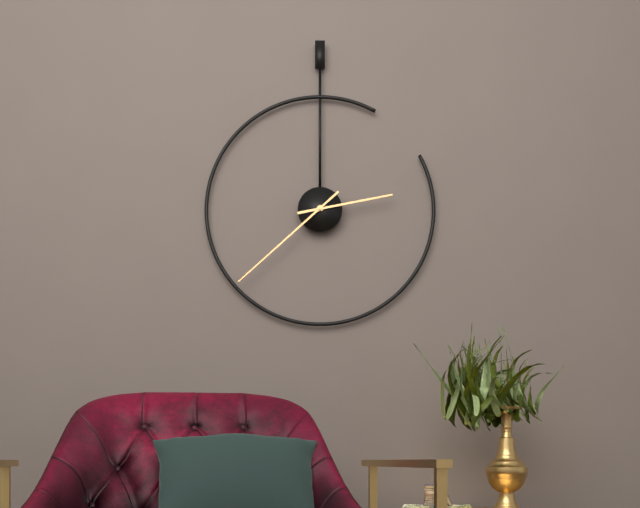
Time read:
2.38
